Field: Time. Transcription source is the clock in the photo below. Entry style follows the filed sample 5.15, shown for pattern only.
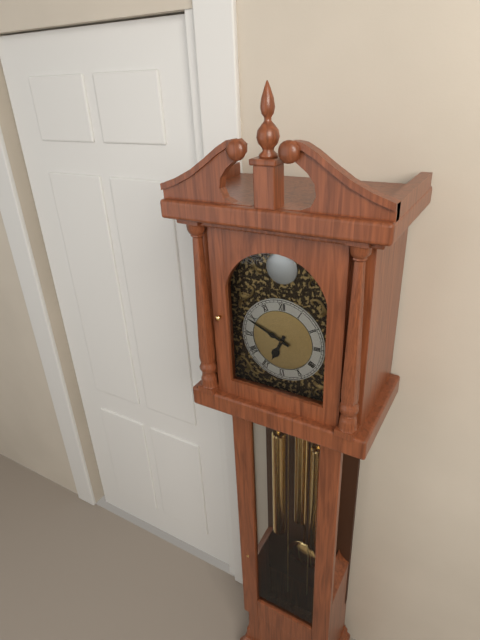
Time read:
6.49
